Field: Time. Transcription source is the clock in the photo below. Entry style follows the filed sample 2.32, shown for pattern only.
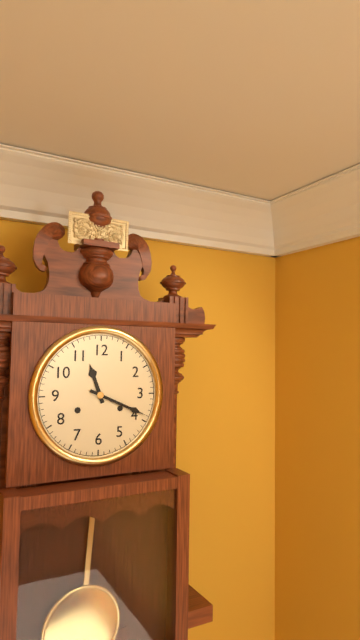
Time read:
11.19
